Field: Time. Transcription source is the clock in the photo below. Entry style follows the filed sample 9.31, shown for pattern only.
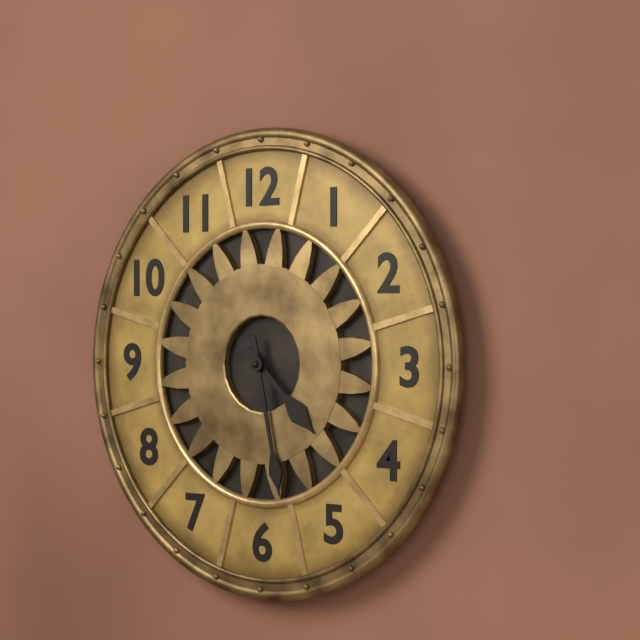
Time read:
4.28
